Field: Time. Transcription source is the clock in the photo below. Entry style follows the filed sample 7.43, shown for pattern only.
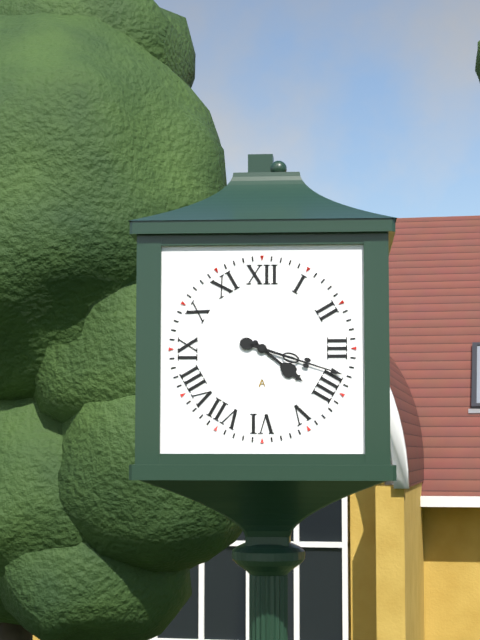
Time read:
4.18
